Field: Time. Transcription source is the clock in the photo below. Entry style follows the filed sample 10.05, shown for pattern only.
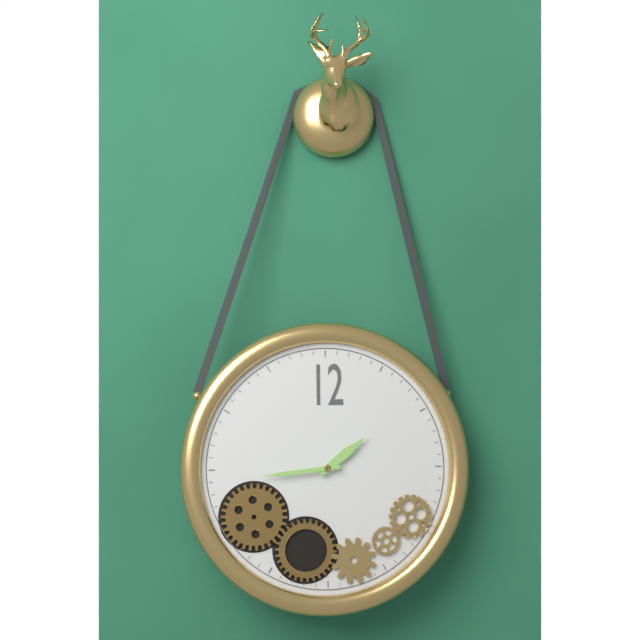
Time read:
1.44
